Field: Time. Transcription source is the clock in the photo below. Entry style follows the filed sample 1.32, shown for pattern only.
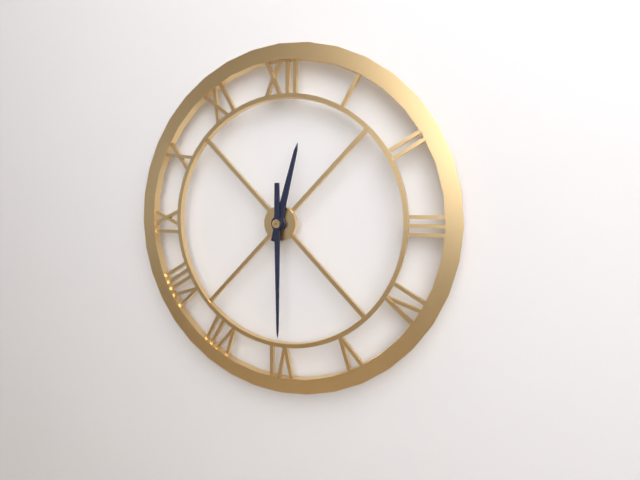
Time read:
12.30
